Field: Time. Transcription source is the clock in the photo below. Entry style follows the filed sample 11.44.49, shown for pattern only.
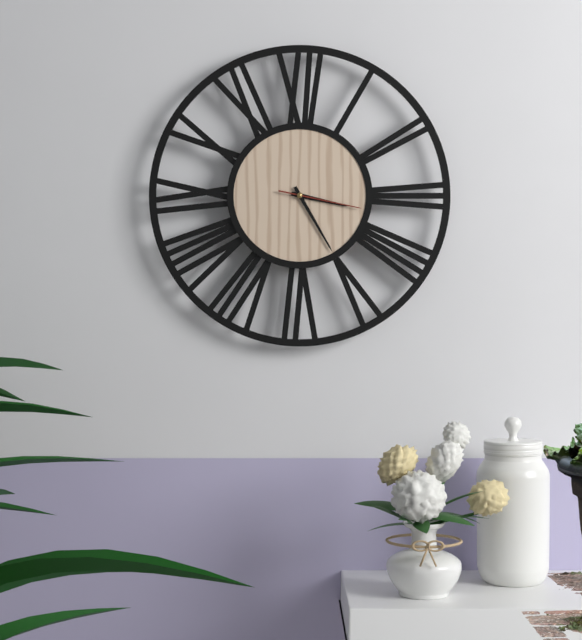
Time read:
3.25.17
